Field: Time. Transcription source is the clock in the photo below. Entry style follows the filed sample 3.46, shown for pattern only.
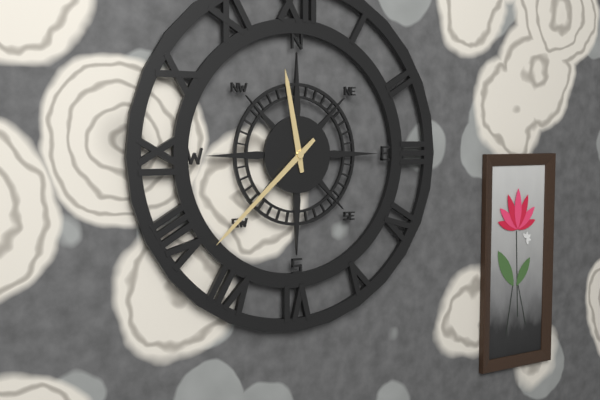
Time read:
11.38
